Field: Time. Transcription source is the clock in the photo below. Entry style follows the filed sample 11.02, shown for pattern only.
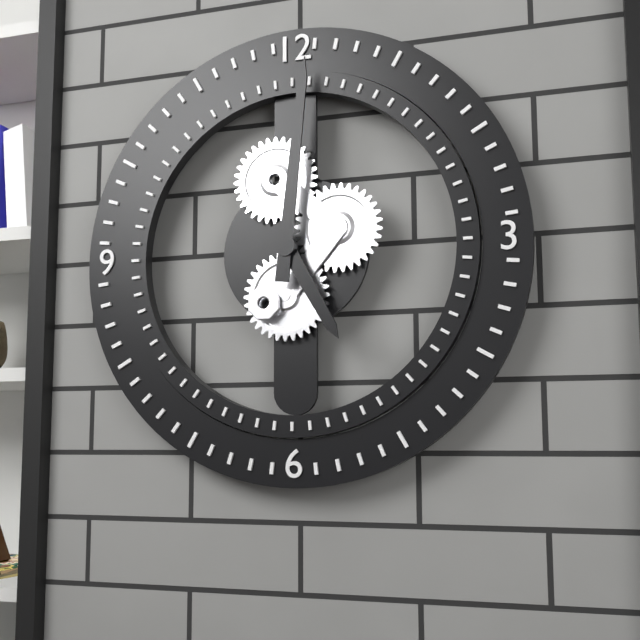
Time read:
5.01
